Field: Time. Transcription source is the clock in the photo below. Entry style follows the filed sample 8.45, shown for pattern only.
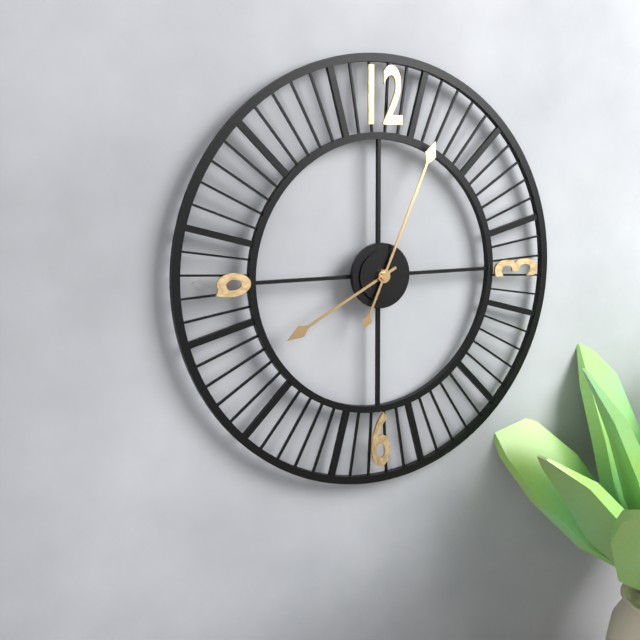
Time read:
8.04
